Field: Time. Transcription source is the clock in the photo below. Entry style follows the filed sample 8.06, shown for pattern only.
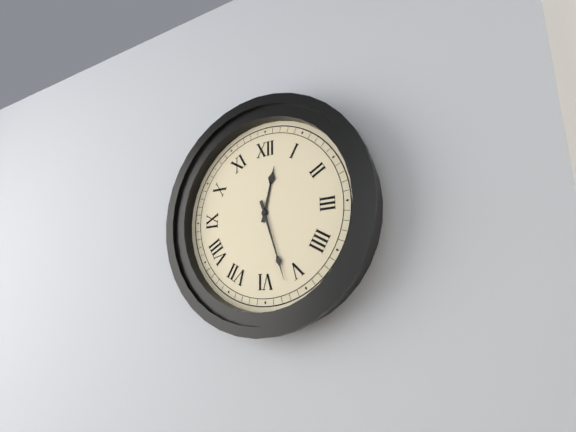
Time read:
12.27
